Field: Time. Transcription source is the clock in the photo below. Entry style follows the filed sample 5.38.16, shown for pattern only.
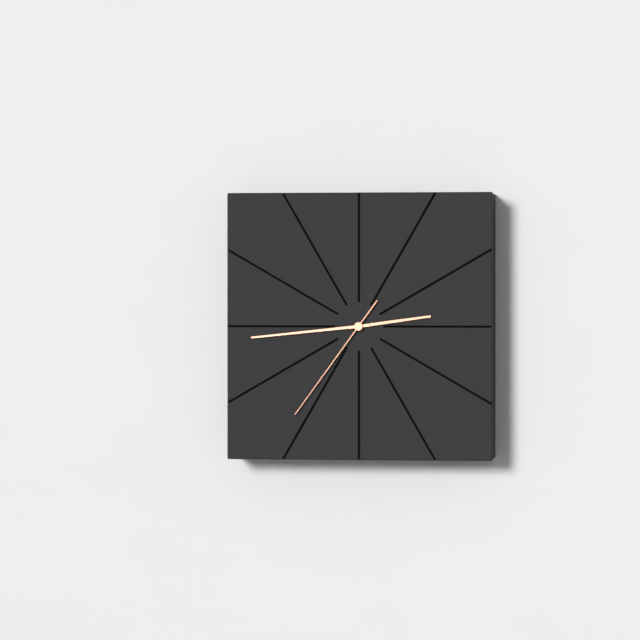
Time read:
2.44.36
